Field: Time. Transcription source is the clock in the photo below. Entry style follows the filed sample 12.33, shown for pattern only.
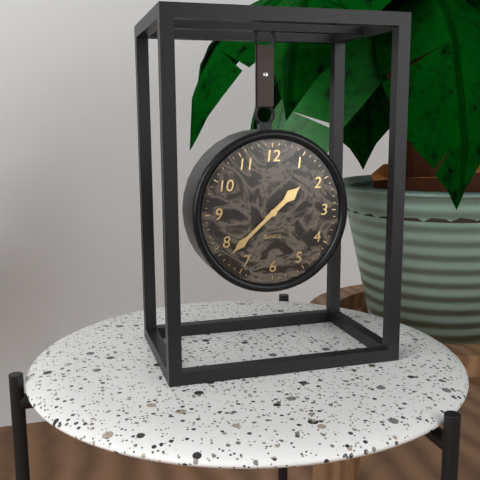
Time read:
1.38
